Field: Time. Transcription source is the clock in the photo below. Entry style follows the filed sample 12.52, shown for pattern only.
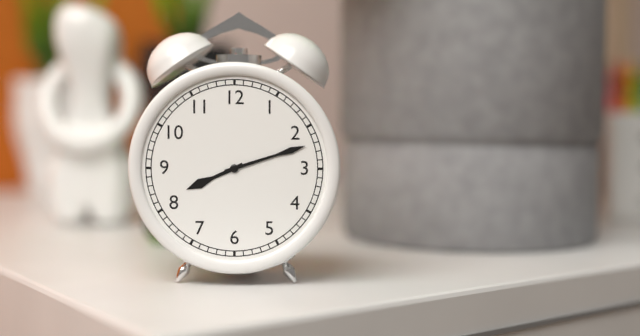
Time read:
8.12
